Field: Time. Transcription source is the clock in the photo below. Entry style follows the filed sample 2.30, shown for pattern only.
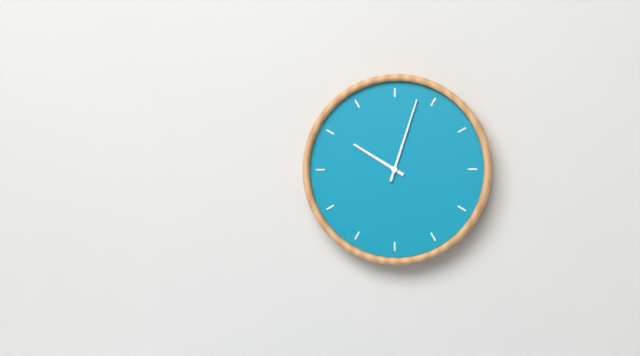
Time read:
10.03
